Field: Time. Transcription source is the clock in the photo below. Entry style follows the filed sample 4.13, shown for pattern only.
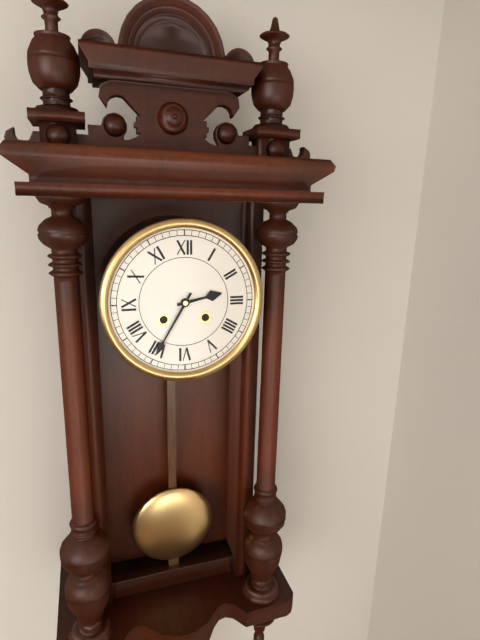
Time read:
2.35
